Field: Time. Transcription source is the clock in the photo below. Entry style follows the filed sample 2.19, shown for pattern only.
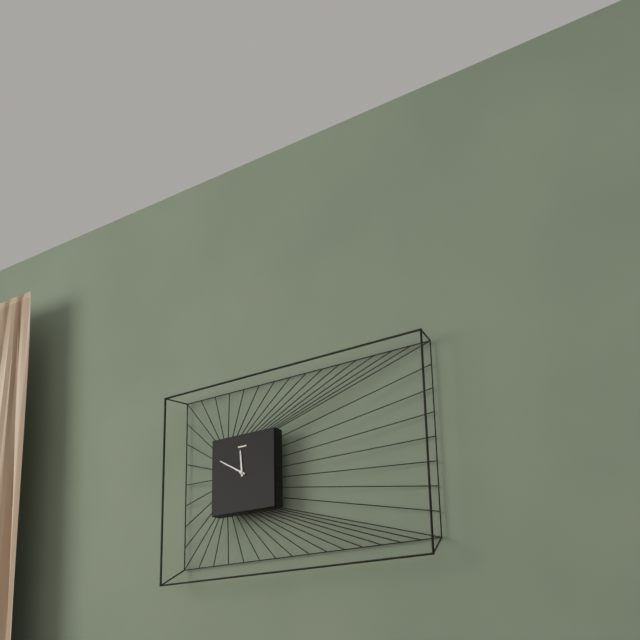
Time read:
11.50
